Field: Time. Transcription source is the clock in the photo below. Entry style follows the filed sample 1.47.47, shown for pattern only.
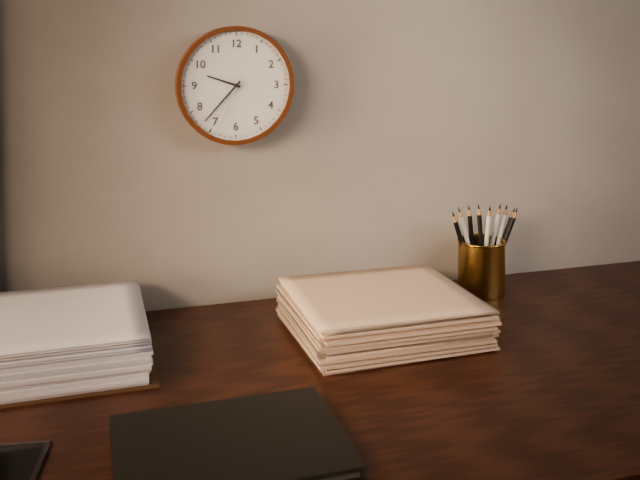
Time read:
9.37.34
